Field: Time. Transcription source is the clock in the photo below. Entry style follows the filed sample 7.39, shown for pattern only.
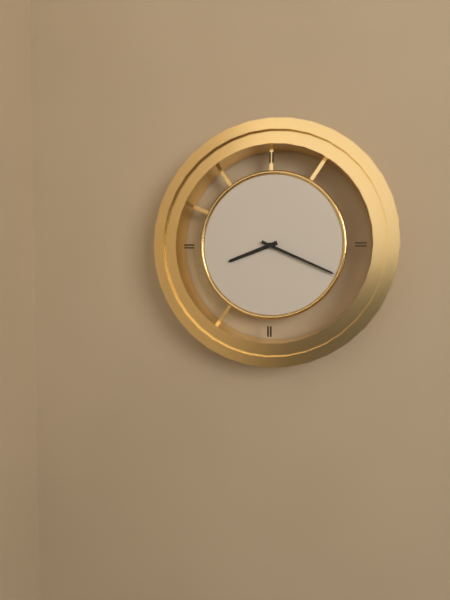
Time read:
8.19
